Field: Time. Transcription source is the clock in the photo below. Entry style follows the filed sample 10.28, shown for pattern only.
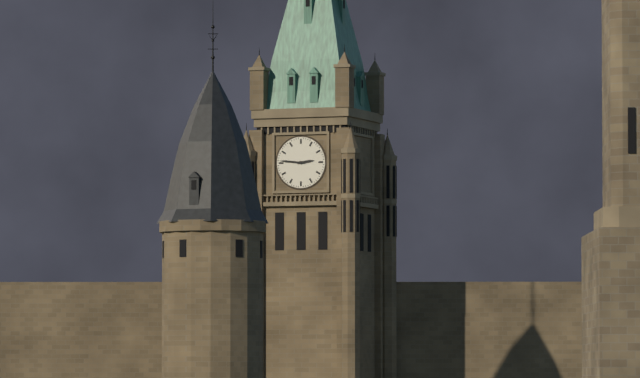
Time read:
2.46
